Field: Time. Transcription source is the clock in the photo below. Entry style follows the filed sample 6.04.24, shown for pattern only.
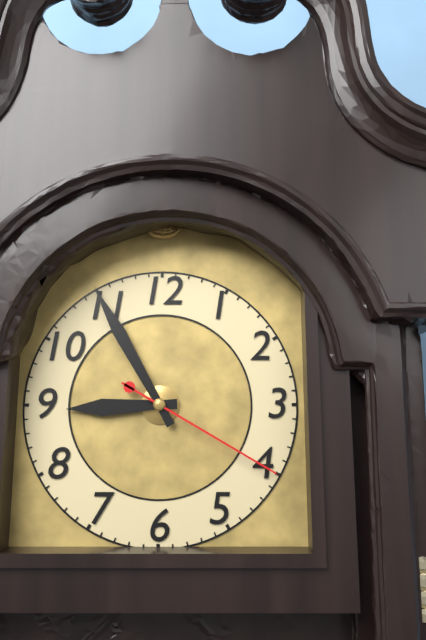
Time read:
8.55.20
